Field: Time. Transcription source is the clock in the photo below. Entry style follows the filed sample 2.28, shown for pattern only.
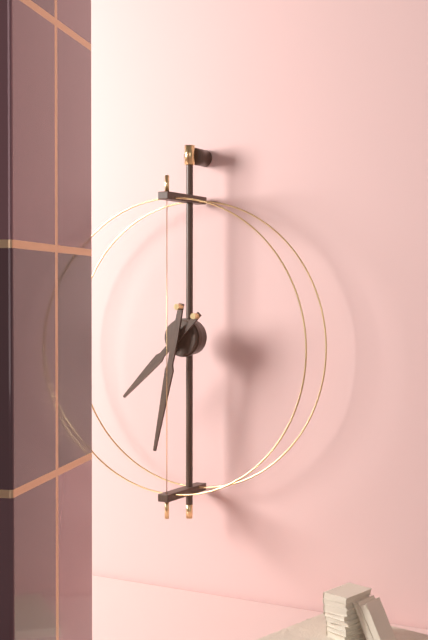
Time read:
7.32
